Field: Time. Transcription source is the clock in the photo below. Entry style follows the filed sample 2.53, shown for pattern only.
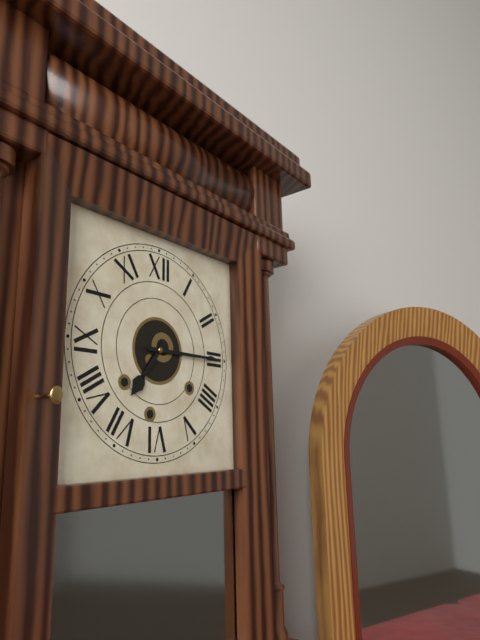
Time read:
7.15
